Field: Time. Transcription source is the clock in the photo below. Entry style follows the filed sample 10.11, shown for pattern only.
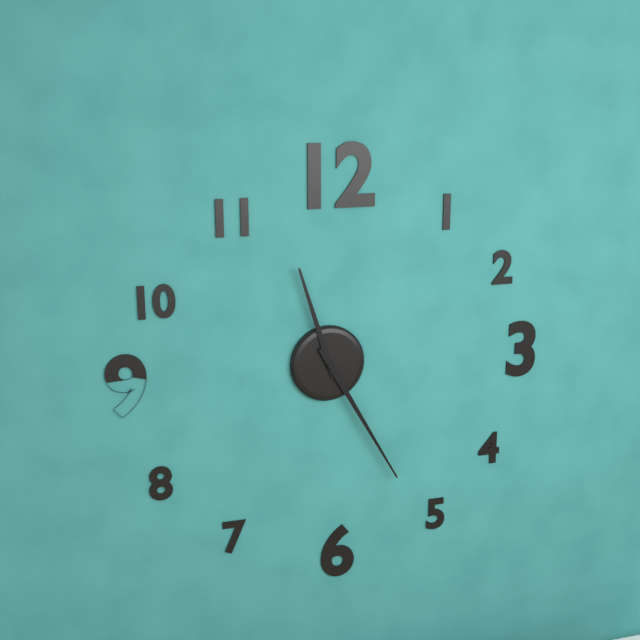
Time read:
11.25
